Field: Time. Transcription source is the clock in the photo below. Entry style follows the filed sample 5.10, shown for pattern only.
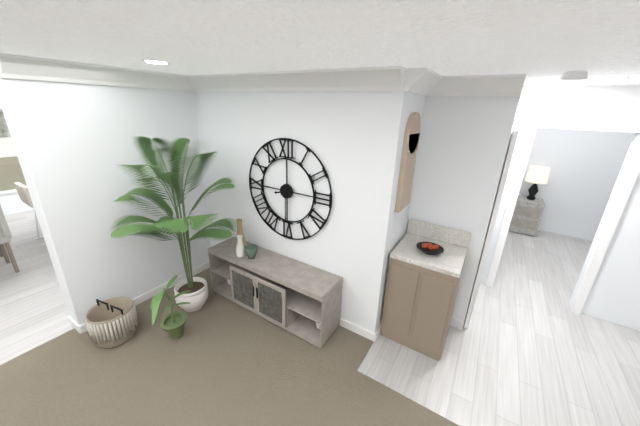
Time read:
8.30
